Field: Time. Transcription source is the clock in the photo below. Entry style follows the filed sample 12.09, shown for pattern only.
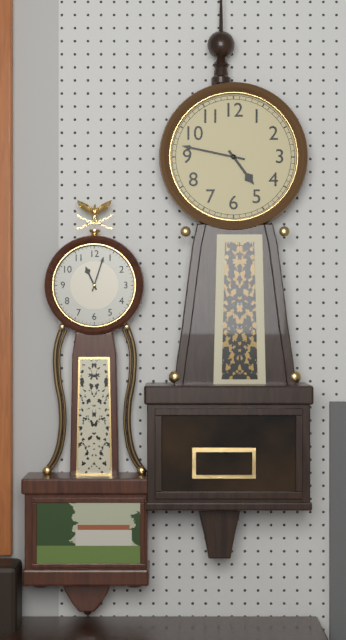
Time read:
4.47
